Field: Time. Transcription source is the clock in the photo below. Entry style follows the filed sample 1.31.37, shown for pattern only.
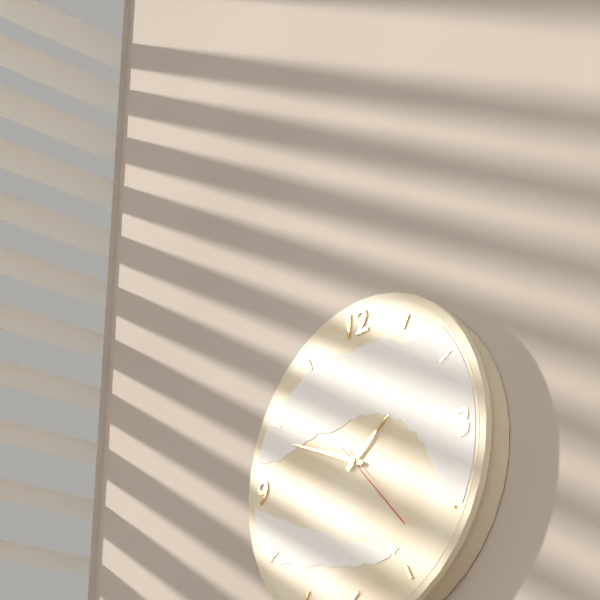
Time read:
1.49.23
